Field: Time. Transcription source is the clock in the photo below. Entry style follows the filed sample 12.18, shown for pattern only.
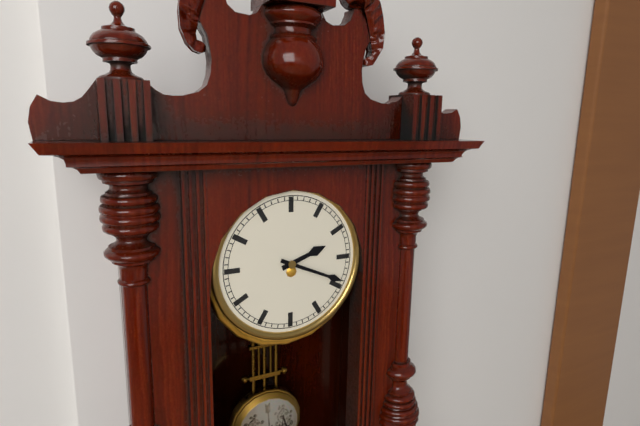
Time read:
2.19
